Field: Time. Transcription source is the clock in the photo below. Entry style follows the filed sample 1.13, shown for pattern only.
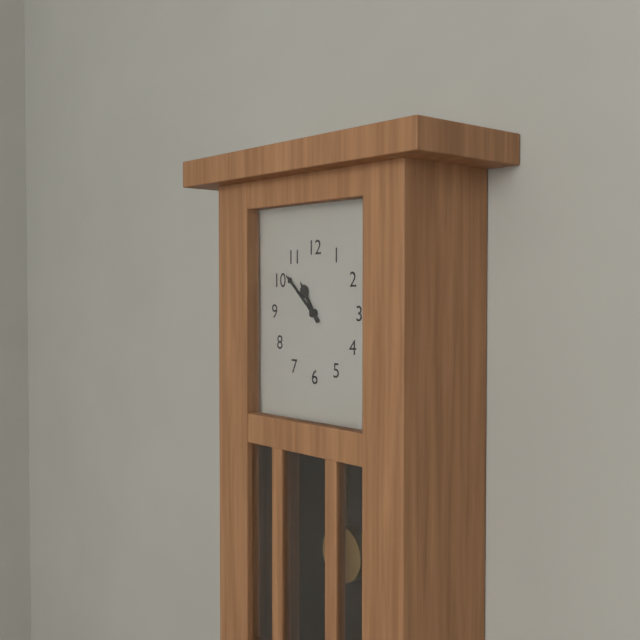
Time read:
10.52
